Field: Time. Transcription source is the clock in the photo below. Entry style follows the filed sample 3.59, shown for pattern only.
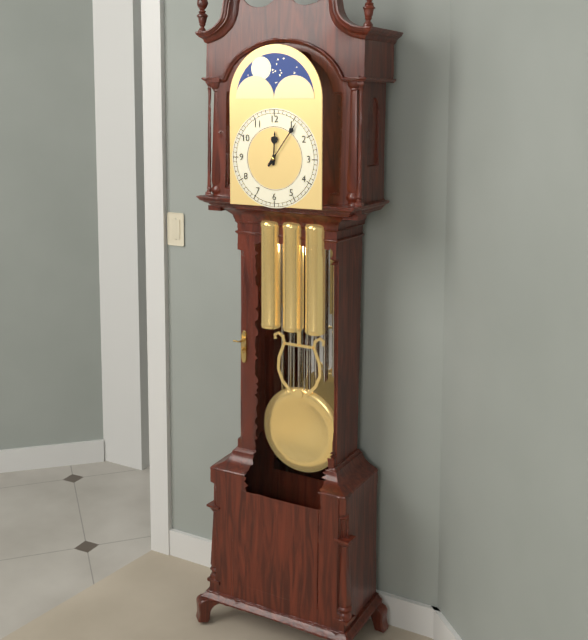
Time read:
12.06
